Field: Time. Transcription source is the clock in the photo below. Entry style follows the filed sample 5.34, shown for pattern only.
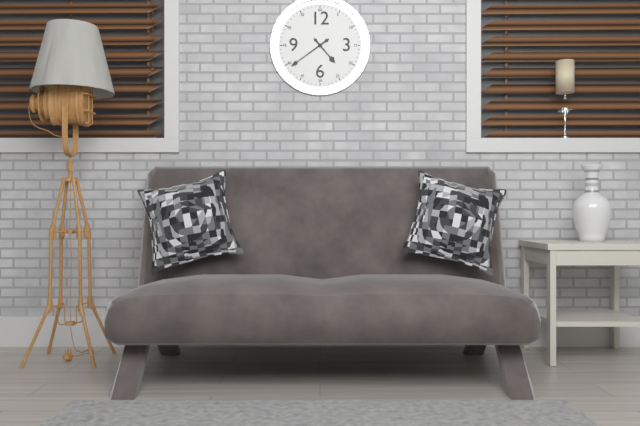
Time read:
4.39
